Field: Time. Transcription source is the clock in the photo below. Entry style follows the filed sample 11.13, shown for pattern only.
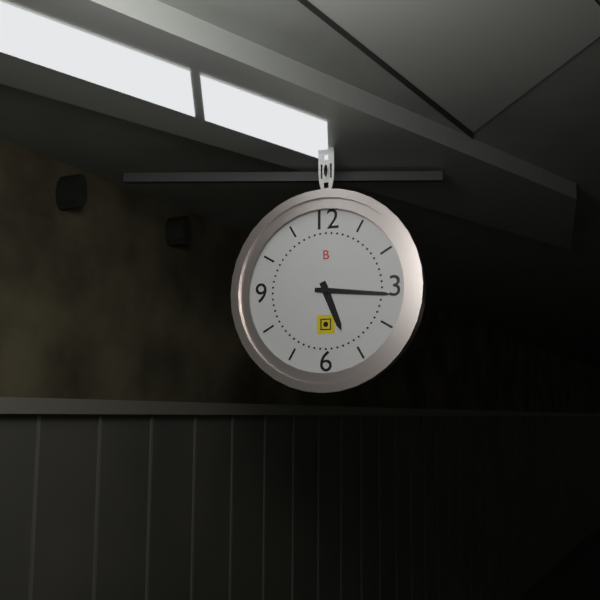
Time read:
5.16
